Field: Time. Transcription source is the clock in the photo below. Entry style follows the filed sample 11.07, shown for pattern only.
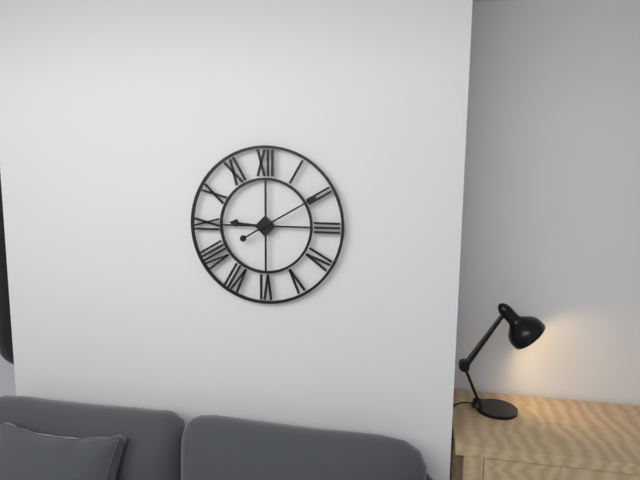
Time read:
9.10
